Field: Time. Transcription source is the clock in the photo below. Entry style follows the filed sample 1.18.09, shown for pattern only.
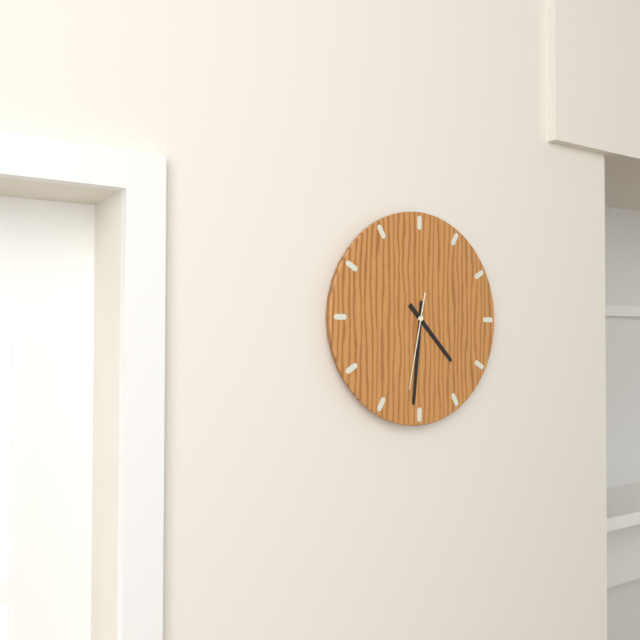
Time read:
4.31.32
